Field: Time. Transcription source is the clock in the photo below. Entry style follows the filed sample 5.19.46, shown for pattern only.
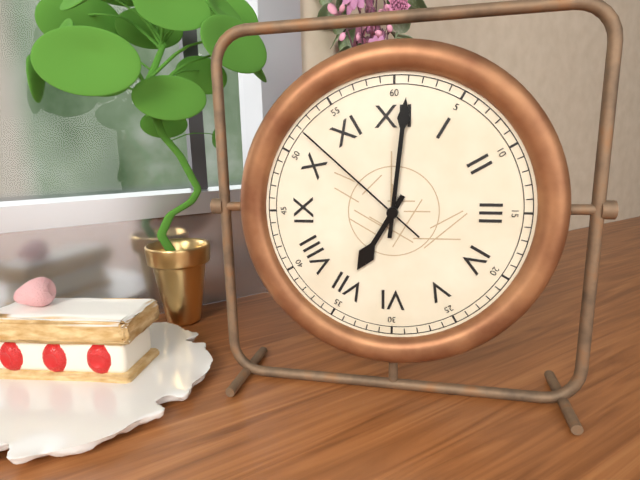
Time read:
7.01.52
